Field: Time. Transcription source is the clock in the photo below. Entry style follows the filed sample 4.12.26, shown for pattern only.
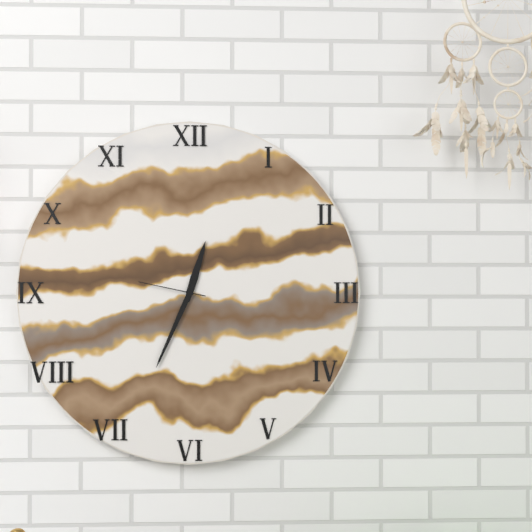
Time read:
12.34.47
